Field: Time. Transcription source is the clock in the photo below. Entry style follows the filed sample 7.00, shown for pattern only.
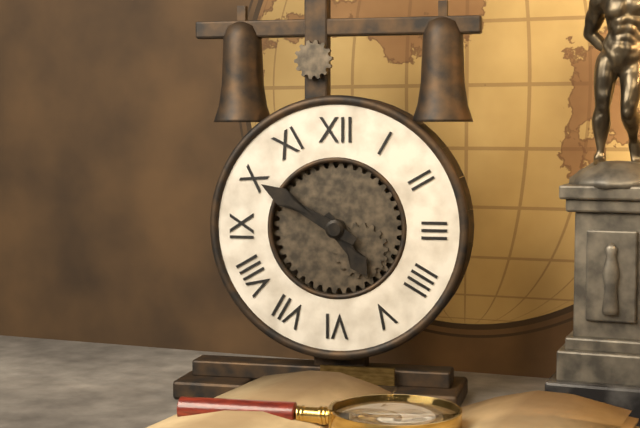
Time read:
4.50
